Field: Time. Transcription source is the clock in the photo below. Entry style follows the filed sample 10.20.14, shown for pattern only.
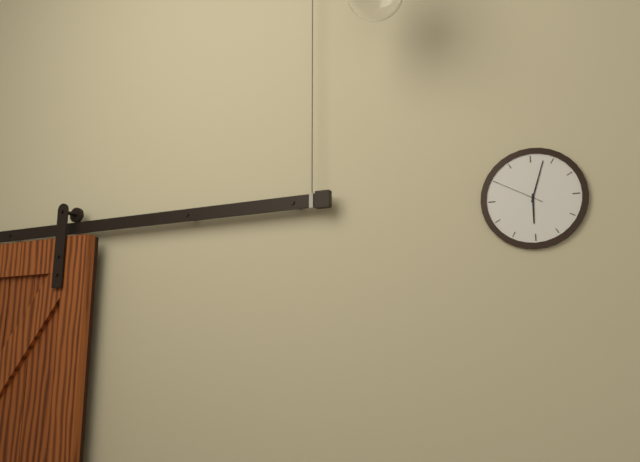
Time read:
6.03.50
